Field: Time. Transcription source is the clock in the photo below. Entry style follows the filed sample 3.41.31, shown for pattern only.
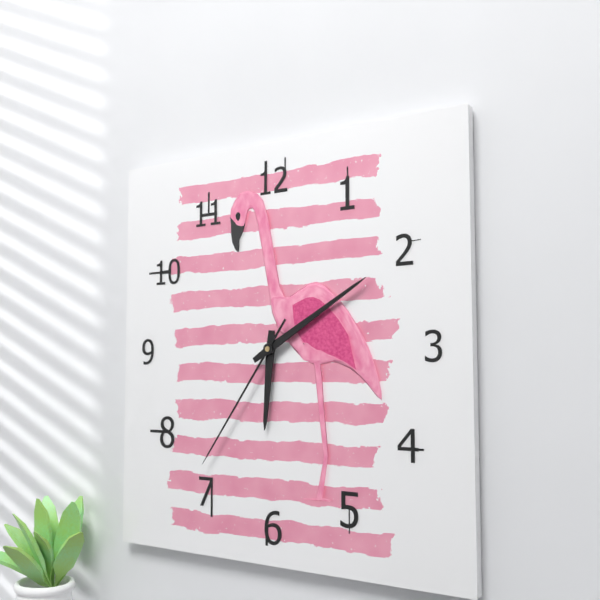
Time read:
6.10.36
